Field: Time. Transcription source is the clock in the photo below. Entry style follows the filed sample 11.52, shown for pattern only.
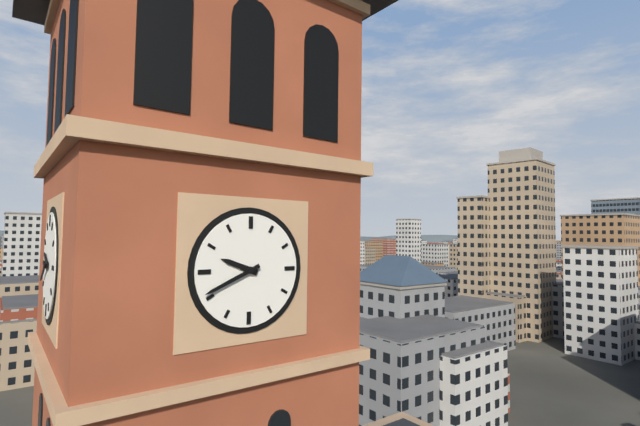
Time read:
9.41
